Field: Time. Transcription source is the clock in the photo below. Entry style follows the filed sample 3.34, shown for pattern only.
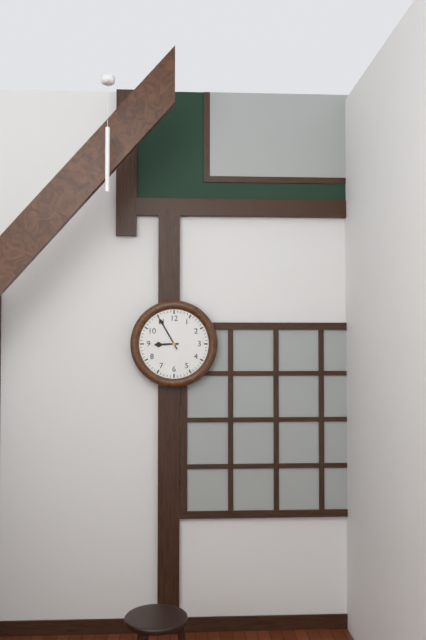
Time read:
8.55
